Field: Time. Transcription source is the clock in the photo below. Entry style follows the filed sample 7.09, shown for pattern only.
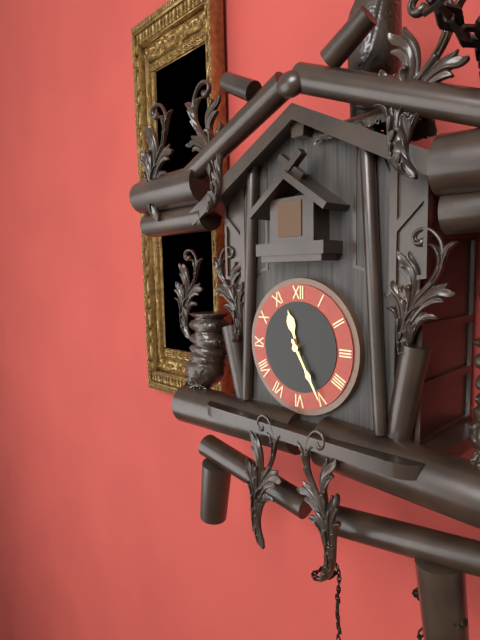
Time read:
11.25
